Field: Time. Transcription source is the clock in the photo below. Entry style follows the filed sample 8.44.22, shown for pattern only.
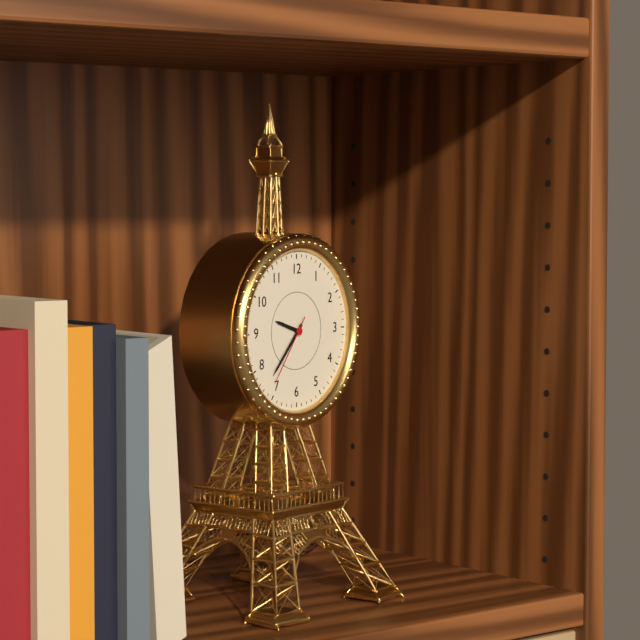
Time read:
9.37.36
